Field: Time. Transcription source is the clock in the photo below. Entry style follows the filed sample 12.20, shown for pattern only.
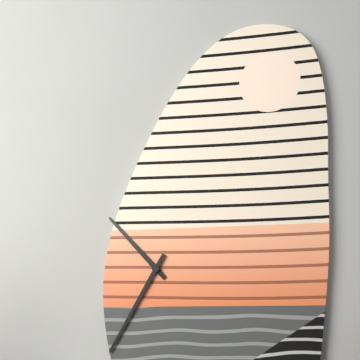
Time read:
10.35
